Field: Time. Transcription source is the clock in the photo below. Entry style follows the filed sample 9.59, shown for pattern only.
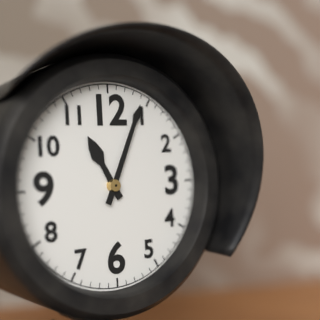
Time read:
11.04
